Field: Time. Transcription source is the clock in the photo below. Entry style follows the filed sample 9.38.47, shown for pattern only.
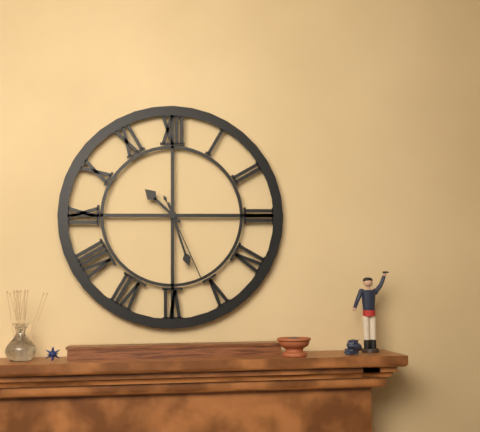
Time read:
10.27.26
